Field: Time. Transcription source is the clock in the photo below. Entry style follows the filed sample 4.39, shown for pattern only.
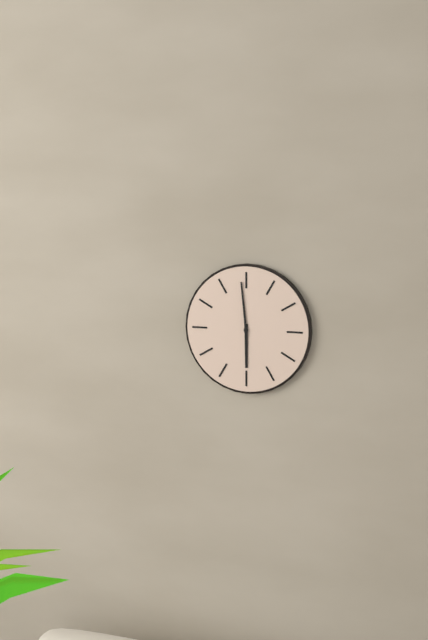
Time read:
5.59
